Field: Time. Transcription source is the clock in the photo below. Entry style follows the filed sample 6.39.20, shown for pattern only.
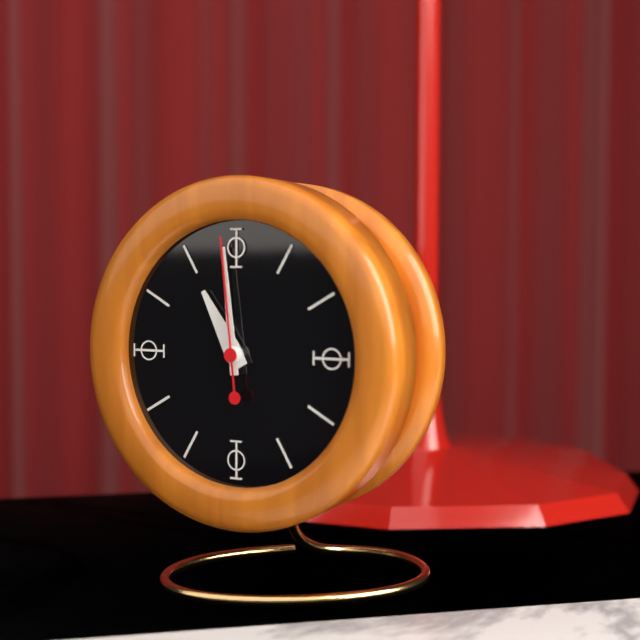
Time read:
10.59.59
